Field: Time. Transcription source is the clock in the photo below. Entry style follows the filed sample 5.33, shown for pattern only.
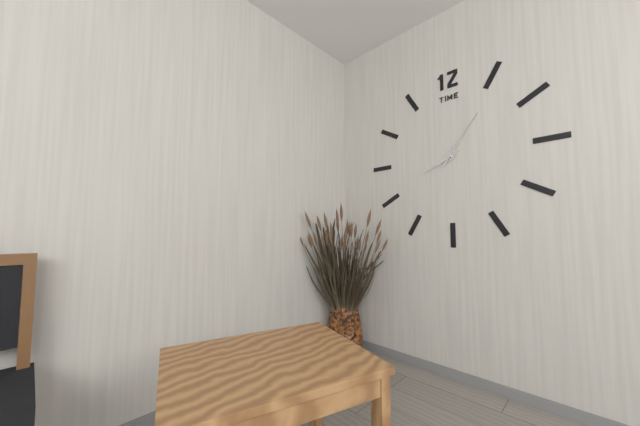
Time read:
8.06
